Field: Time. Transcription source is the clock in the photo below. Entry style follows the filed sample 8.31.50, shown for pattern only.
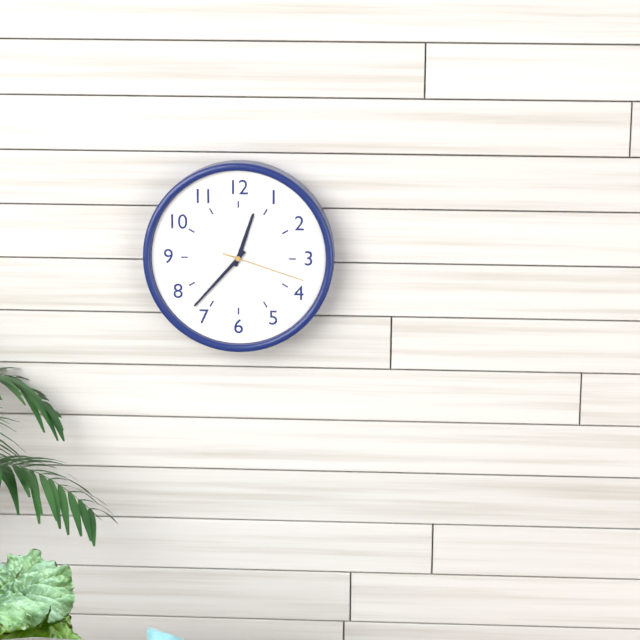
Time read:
12.37.18
